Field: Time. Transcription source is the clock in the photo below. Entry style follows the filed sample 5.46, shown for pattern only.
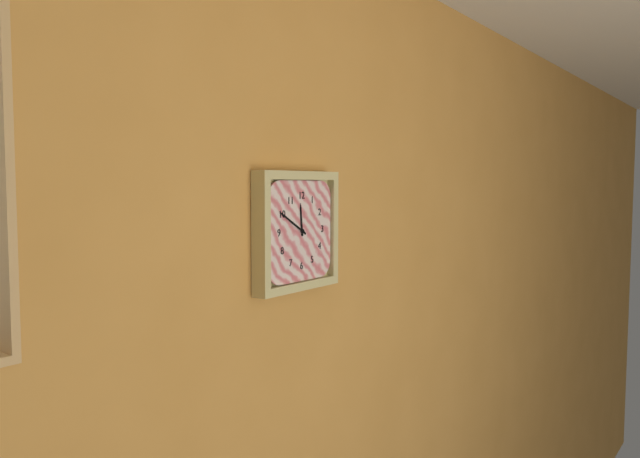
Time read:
11.50
